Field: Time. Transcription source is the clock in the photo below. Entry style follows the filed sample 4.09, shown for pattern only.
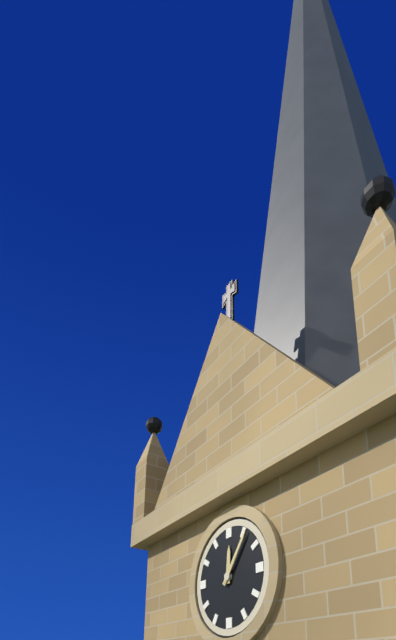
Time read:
12.06
